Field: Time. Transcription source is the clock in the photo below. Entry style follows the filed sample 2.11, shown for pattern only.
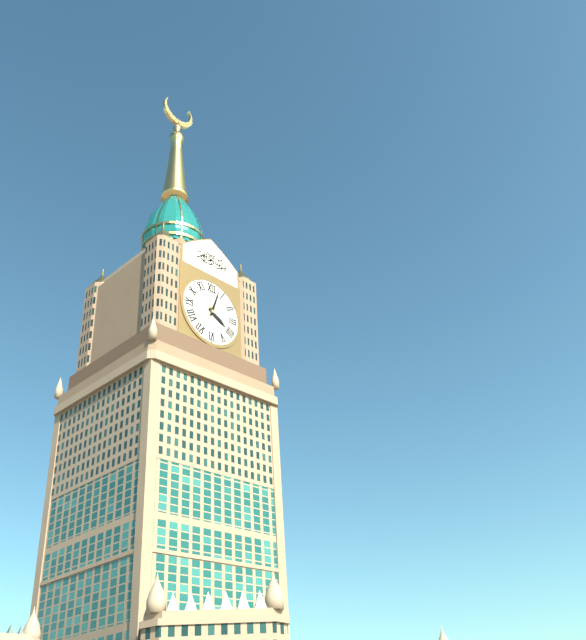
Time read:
4.03
